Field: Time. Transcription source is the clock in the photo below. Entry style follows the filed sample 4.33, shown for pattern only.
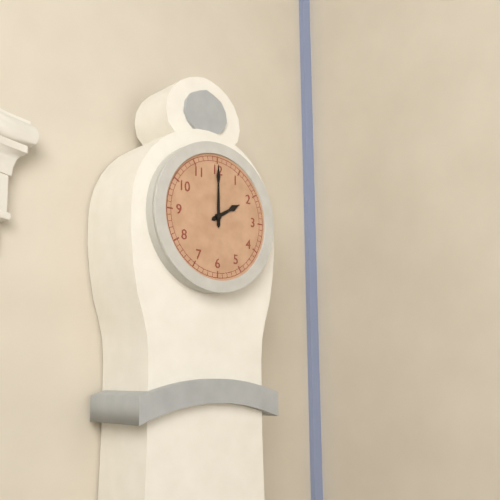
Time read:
2.00
